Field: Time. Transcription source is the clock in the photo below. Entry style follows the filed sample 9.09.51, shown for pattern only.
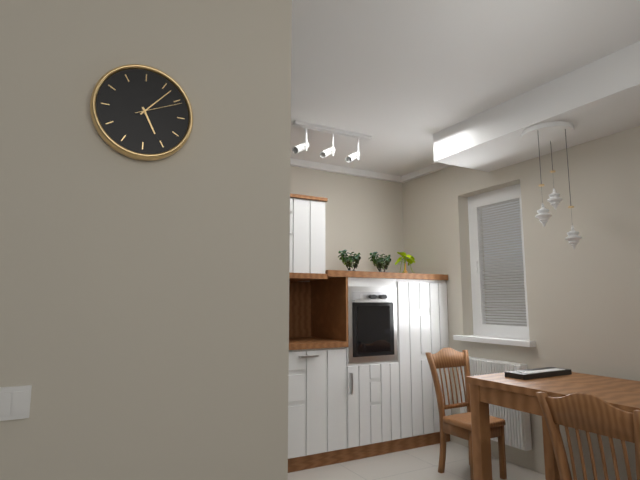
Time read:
5.07.11
